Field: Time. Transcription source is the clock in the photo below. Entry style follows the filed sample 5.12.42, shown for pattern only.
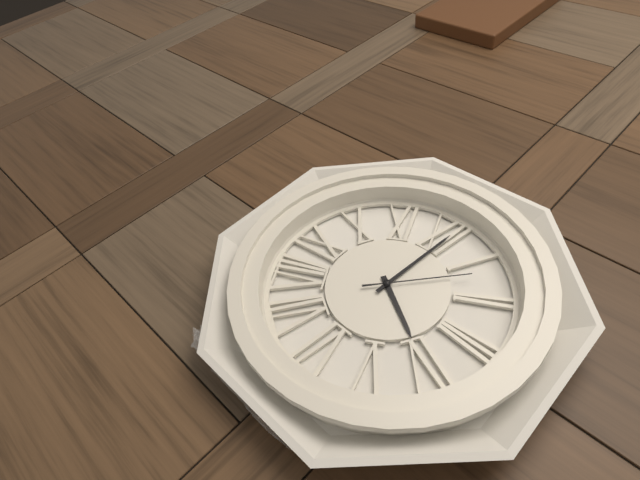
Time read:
4.01.07
